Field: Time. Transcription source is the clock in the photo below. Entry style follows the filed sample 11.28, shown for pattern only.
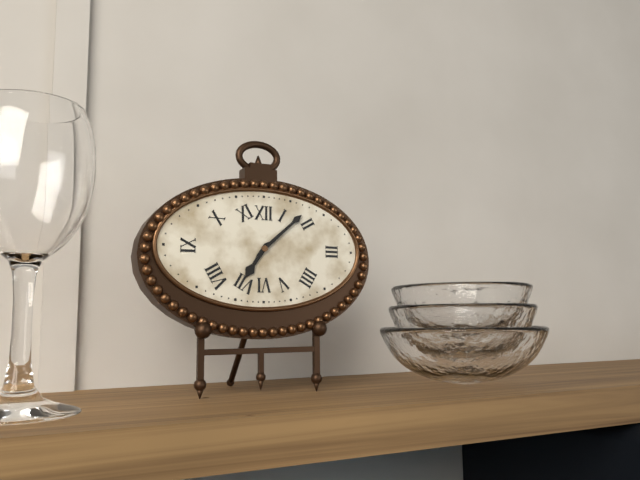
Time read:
7.08
